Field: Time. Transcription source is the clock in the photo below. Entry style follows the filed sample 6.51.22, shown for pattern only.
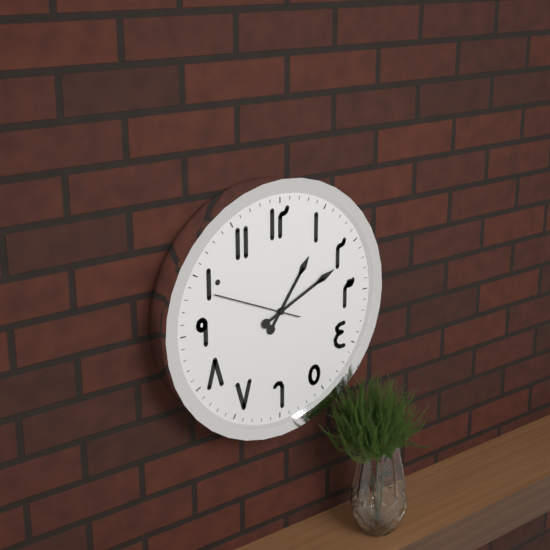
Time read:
1.11.49
